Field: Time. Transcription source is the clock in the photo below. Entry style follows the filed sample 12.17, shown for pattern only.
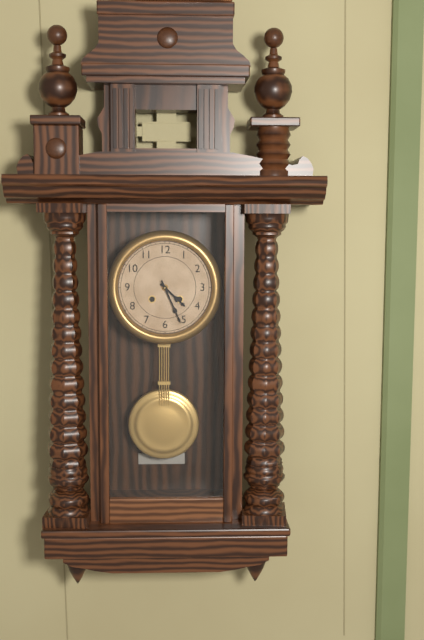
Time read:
4.26
